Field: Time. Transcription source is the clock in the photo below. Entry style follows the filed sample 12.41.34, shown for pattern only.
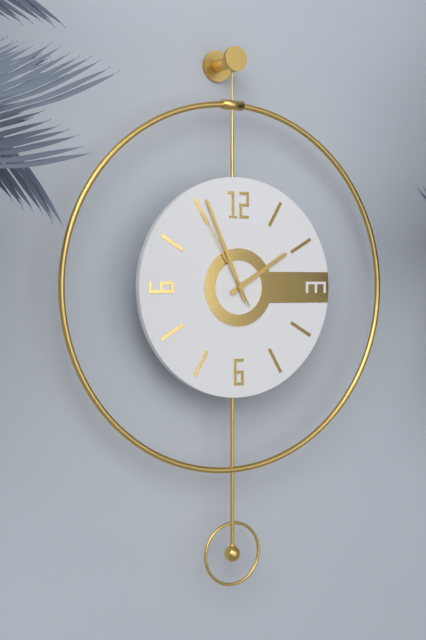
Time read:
1.56.55
